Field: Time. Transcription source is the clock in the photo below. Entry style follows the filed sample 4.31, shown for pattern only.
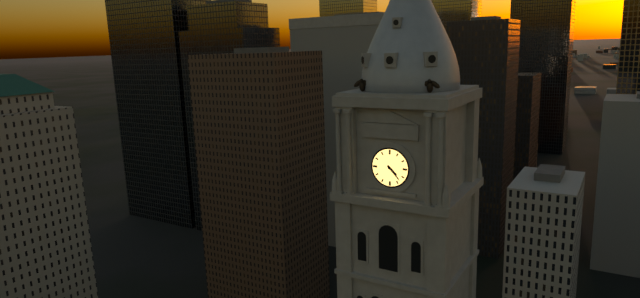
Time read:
4.23
